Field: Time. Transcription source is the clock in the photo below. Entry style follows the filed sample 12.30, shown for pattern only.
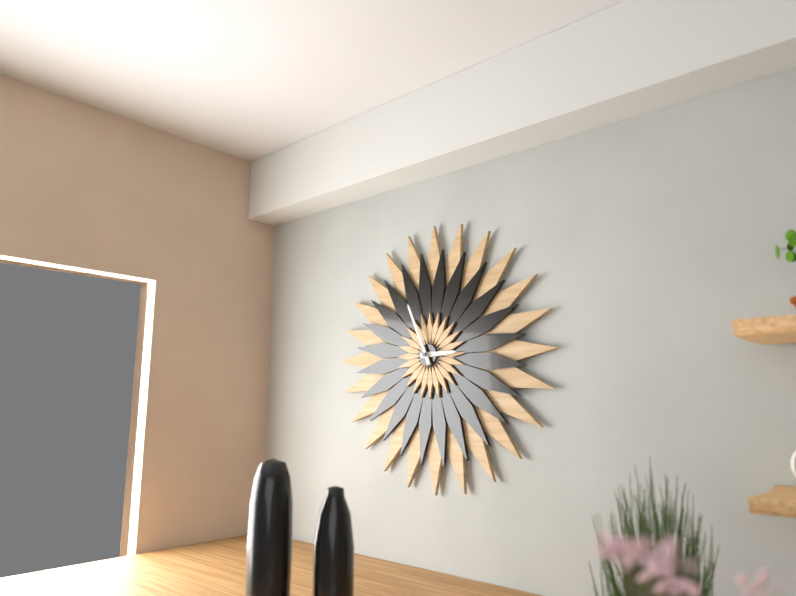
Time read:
2.56
